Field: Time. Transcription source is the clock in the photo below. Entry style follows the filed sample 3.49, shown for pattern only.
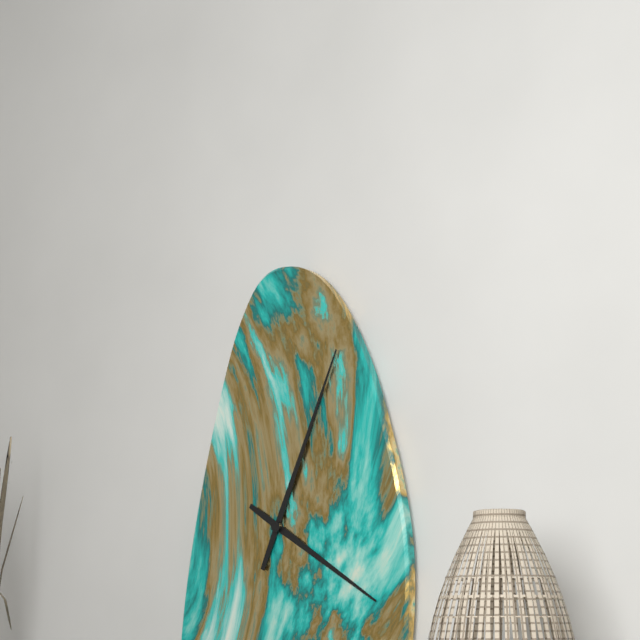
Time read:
4.04
